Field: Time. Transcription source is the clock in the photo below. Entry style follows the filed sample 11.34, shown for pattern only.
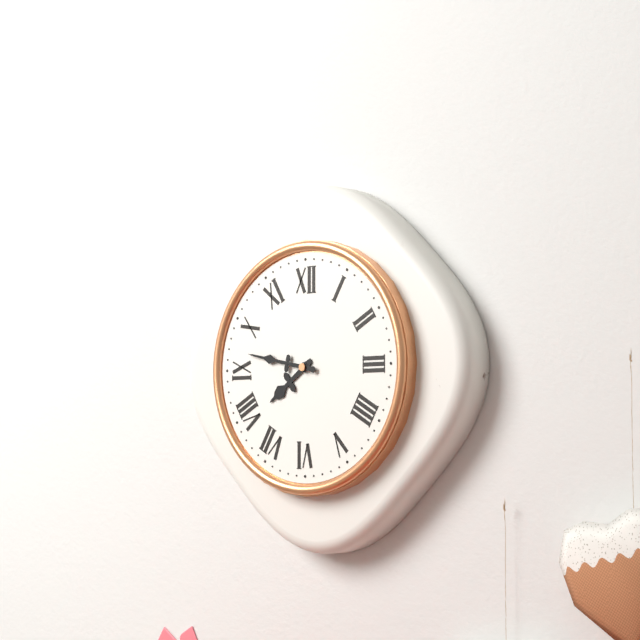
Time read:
7.47
